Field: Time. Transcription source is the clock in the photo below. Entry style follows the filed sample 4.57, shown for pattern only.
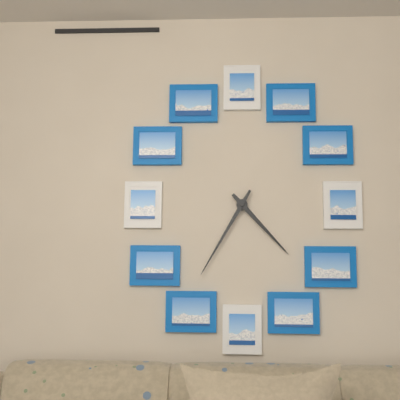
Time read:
4.35
